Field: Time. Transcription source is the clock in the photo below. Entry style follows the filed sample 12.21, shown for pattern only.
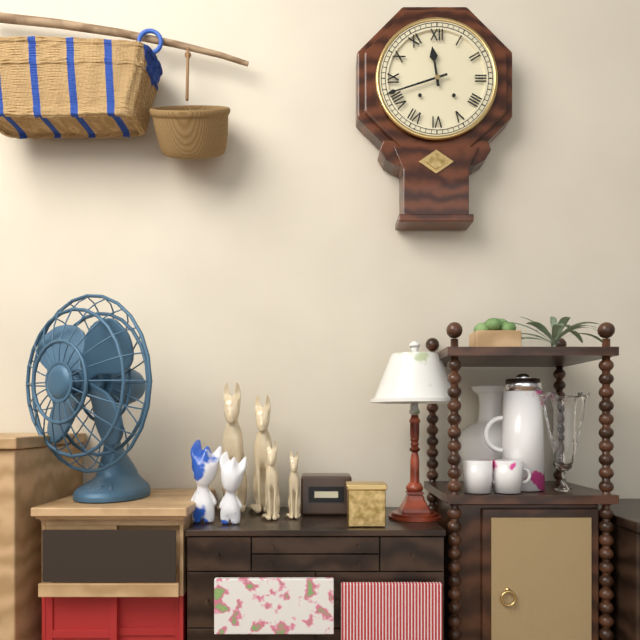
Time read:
11.42
